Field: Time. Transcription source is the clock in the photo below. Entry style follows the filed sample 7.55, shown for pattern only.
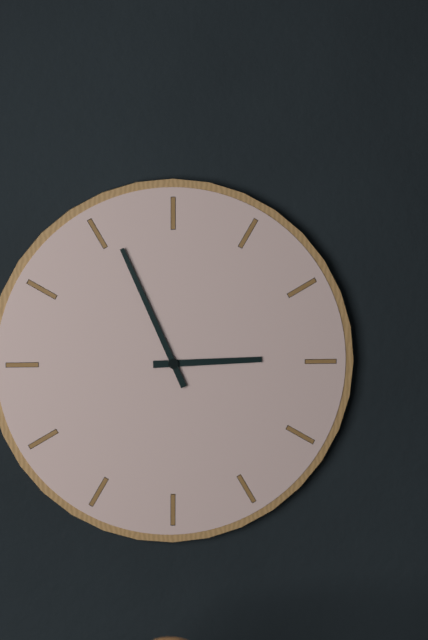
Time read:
2.56
